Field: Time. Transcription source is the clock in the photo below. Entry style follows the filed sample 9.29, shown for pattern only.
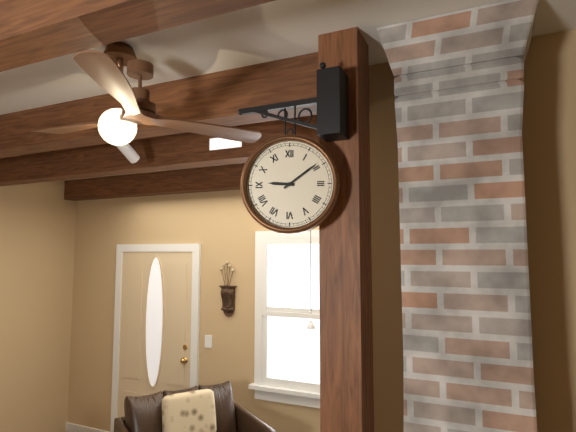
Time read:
9.09
